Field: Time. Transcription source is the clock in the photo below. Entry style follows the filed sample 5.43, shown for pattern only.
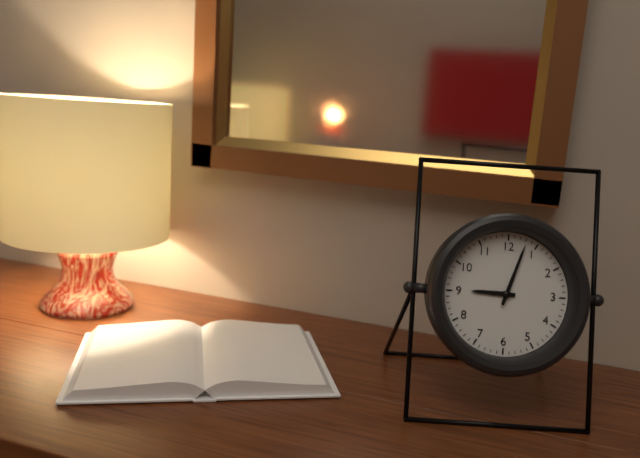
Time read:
9.03
